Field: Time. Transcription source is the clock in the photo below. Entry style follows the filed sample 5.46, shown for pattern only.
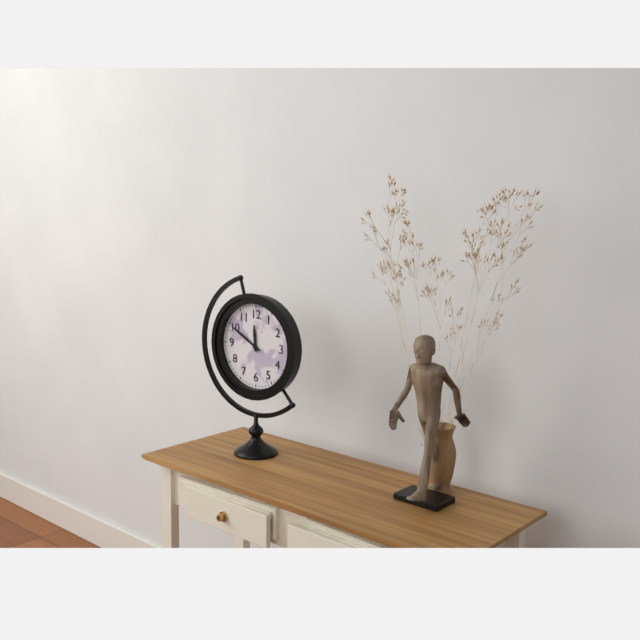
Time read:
11.50
